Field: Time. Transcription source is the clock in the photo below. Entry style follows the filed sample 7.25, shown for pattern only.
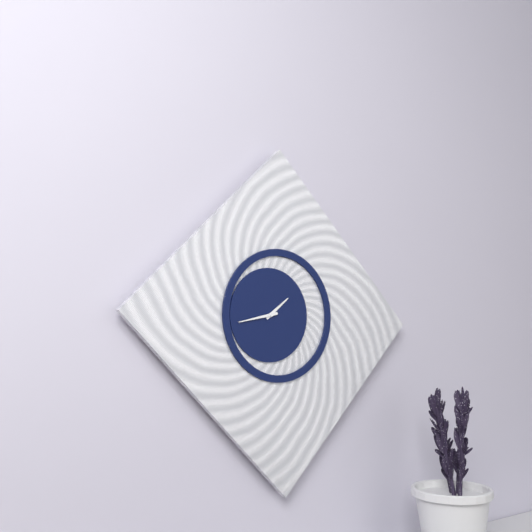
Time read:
1.43
